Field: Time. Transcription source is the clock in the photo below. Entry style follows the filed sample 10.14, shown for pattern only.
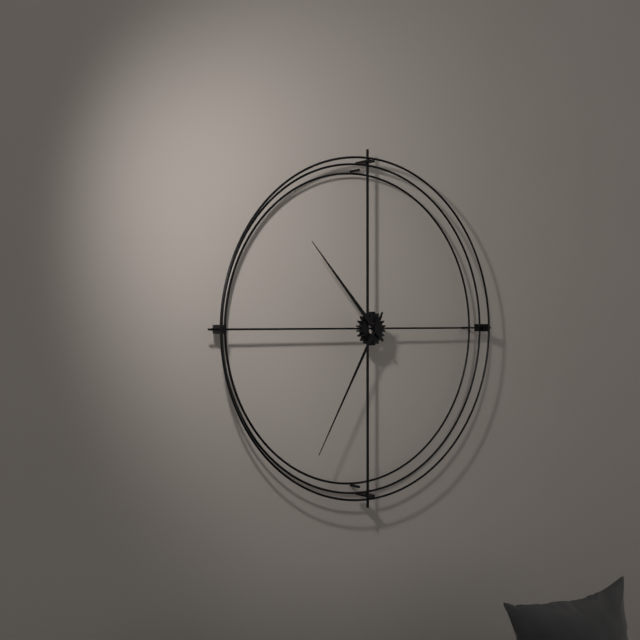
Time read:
10.35
